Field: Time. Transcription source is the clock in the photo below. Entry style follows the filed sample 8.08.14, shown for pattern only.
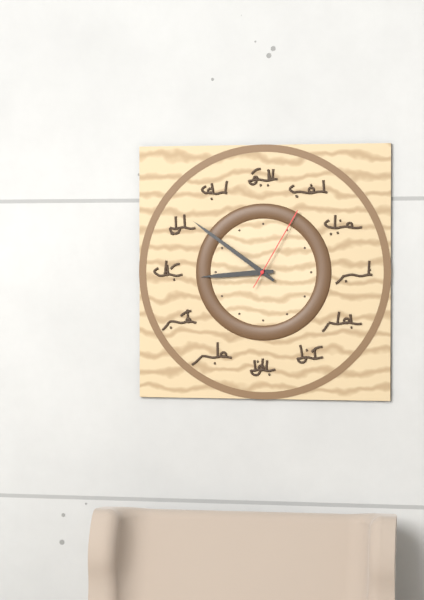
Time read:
8.51.05
